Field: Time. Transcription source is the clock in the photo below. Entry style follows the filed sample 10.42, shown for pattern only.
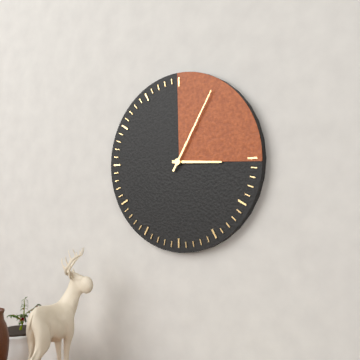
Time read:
3.05
